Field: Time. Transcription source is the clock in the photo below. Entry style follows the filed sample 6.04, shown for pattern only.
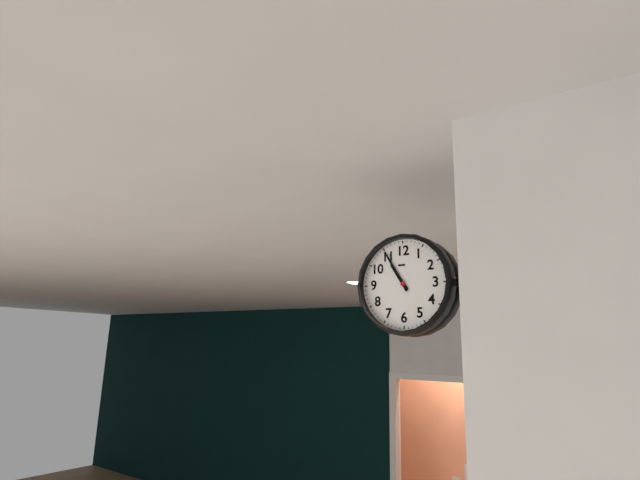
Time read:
10.55
